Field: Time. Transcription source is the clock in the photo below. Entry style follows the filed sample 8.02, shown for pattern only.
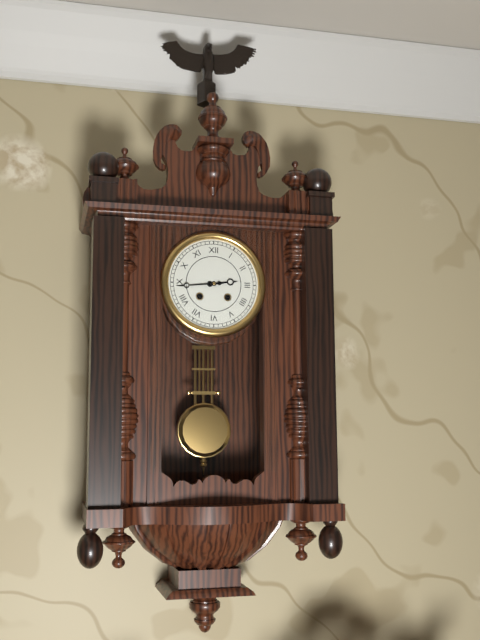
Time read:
2.44
